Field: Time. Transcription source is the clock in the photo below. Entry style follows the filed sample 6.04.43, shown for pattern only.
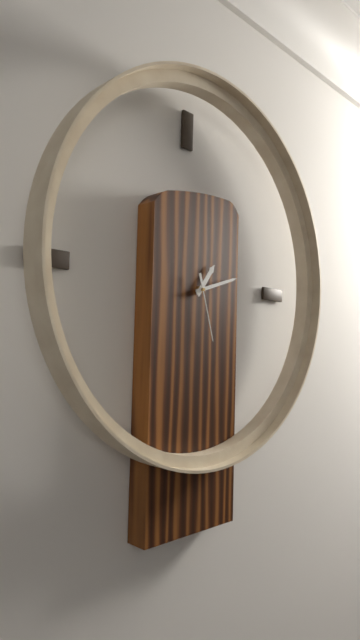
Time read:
1.12.27
